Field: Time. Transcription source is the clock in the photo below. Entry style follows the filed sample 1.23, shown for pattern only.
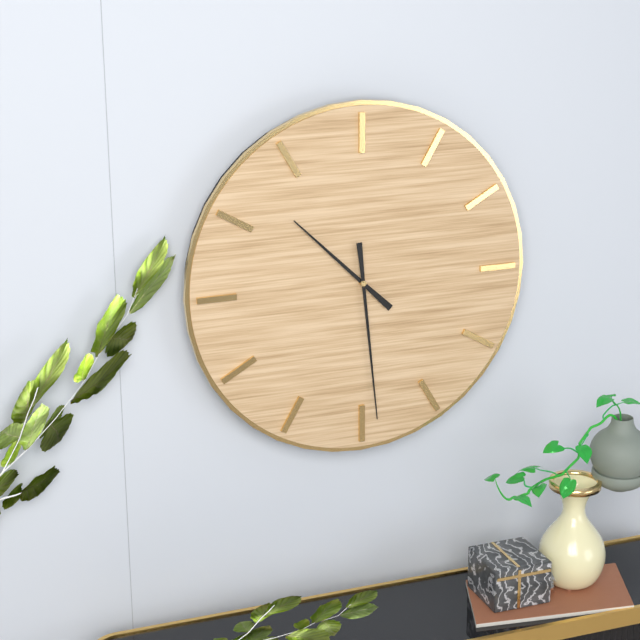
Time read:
10.29
